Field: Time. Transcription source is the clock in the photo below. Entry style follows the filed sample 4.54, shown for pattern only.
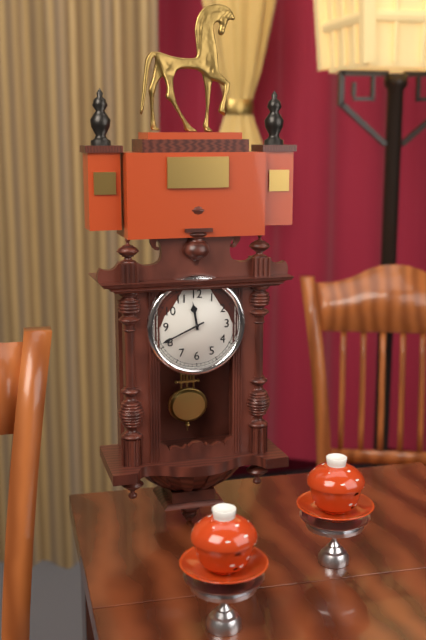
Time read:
11.41
